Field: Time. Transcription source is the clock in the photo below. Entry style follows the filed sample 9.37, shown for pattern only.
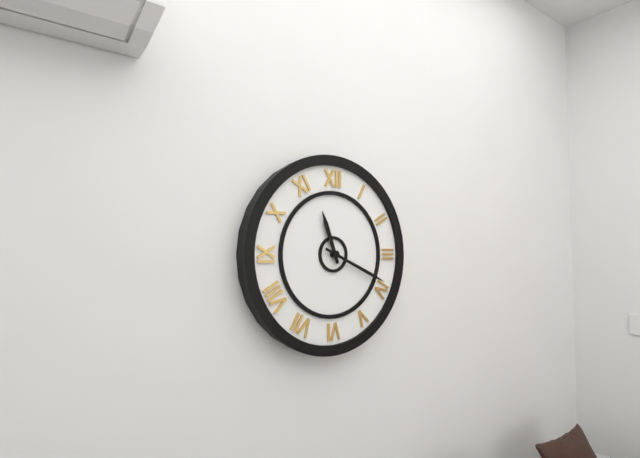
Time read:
11.19
